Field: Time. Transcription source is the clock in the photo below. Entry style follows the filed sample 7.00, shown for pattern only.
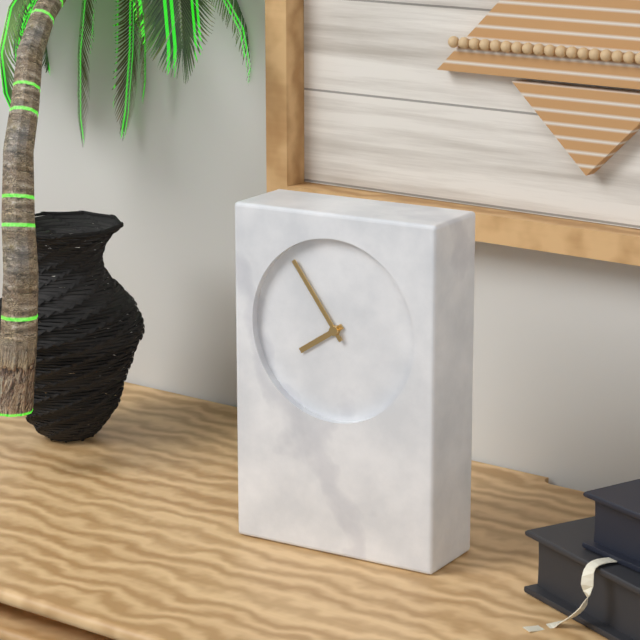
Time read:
7.54
